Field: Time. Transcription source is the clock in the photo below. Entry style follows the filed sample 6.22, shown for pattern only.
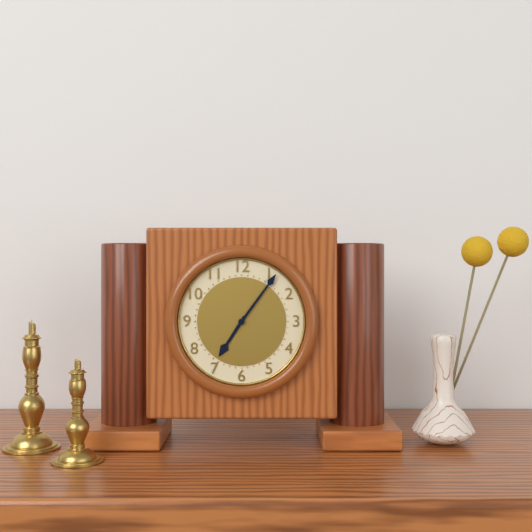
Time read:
7.06
